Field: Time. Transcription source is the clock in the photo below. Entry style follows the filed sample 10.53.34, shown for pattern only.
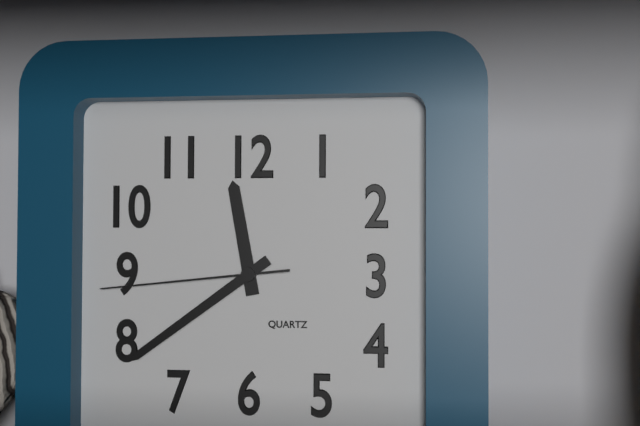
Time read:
11.39.44
